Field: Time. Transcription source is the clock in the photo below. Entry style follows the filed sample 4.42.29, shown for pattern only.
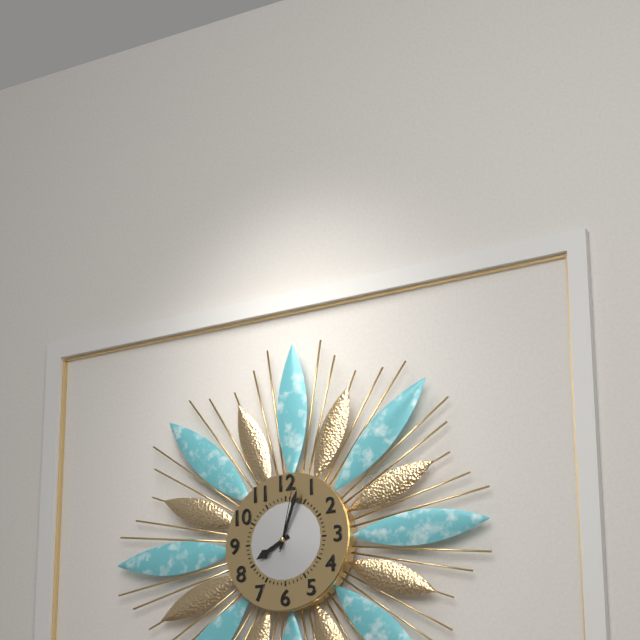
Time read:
8.03.02
